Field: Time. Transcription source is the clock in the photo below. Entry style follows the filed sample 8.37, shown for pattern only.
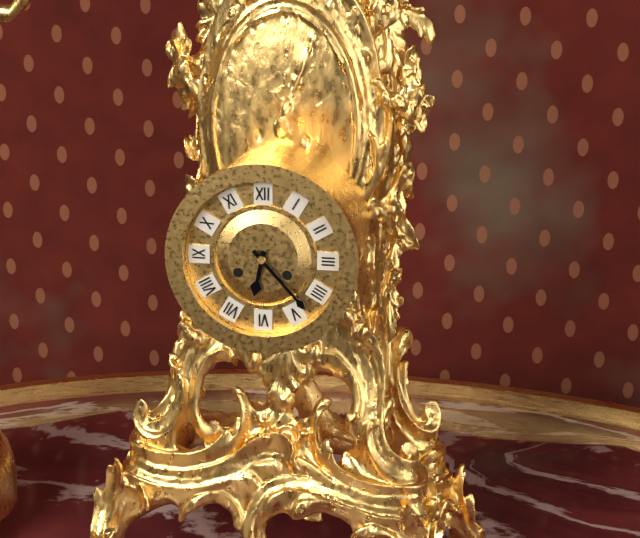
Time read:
6.23
